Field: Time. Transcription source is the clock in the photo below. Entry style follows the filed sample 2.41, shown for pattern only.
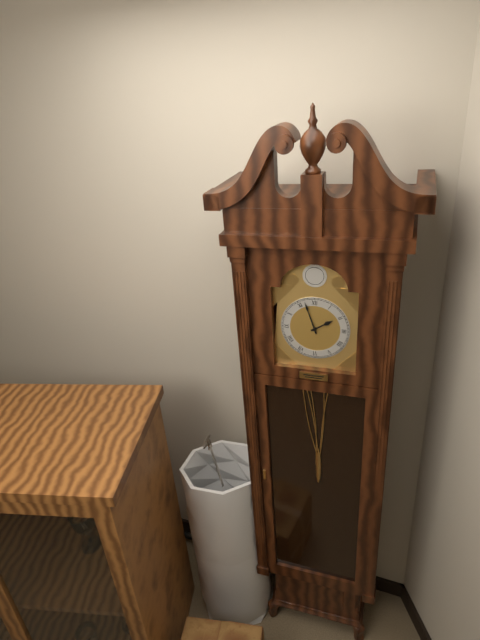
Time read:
1.57
